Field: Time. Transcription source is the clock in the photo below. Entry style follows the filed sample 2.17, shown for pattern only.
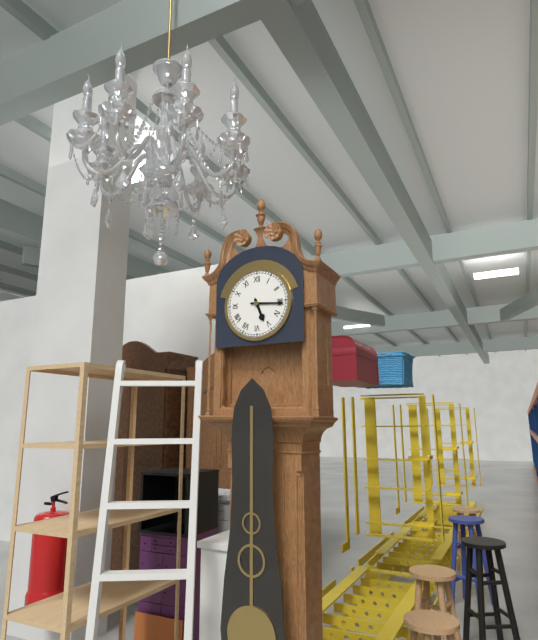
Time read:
5.16
